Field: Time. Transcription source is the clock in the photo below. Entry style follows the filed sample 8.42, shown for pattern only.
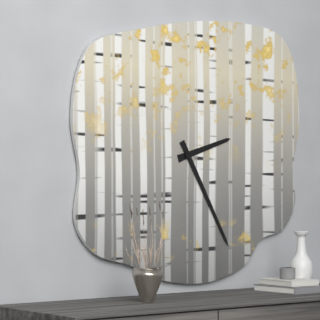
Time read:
2.25
